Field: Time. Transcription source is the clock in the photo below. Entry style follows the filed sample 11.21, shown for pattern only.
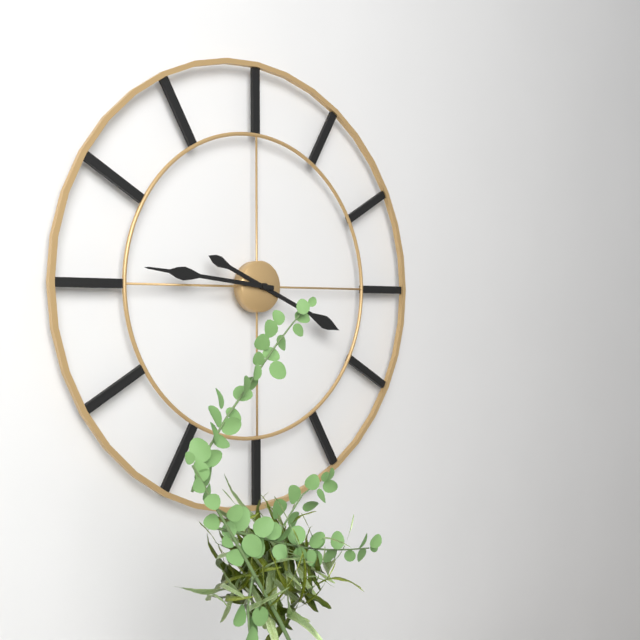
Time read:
3.46
